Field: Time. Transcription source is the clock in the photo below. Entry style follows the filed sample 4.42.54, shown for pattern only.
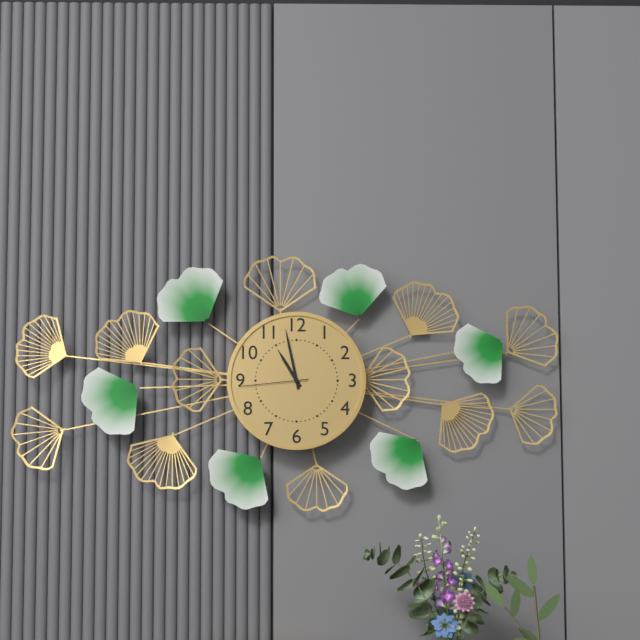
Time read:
10.58.44
